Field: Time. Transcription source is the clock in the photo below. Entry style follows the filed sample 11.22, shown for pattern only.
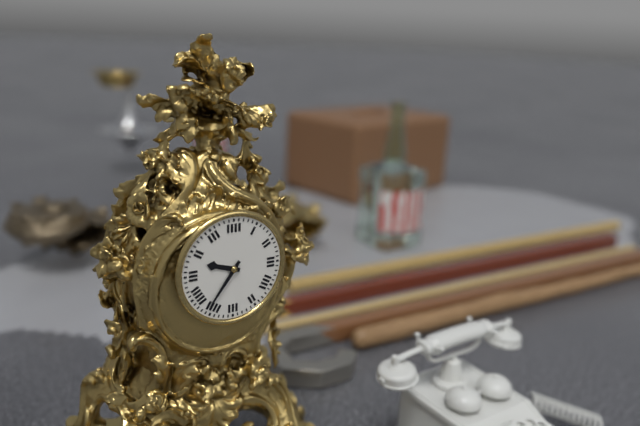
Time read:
9.36
